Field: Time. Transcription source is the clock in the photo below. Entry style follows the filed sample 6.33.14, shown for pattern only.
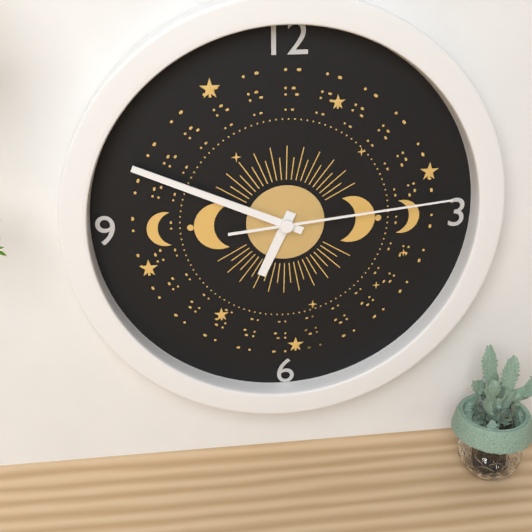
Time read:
6.49.14
